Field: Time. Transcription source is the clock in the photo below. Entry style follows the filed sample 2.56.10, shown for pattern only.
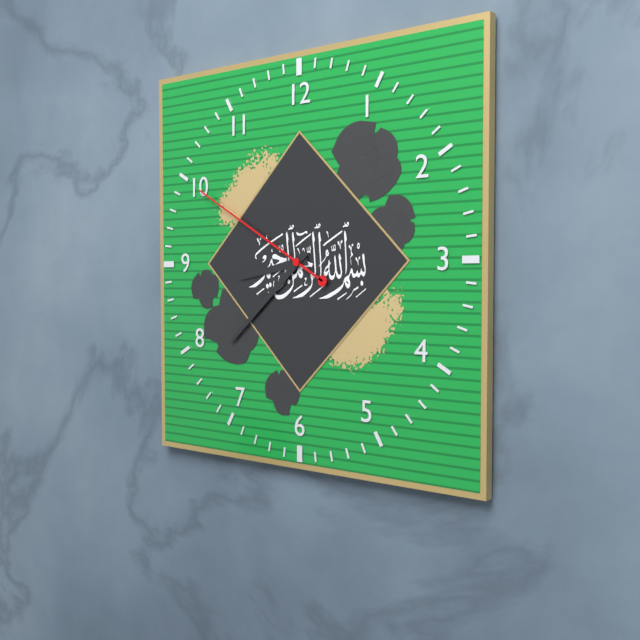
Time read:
8.38.50
